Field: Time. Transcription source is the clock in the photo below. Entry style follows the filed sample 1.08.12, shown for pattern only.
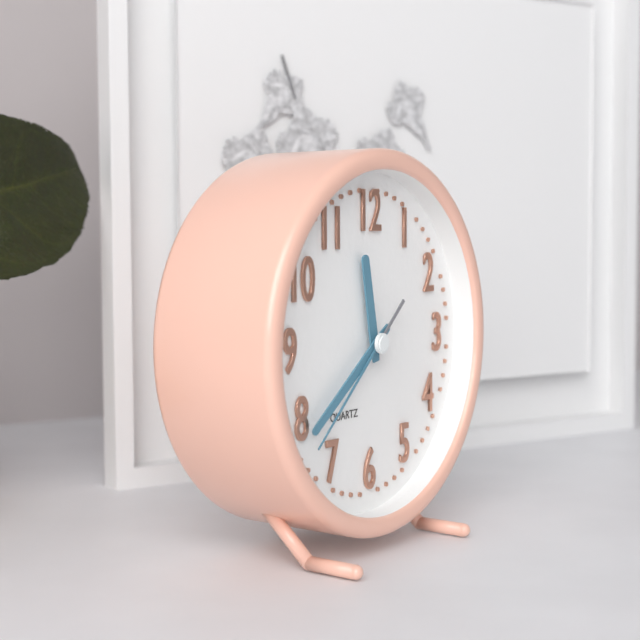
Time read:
11.39.38
